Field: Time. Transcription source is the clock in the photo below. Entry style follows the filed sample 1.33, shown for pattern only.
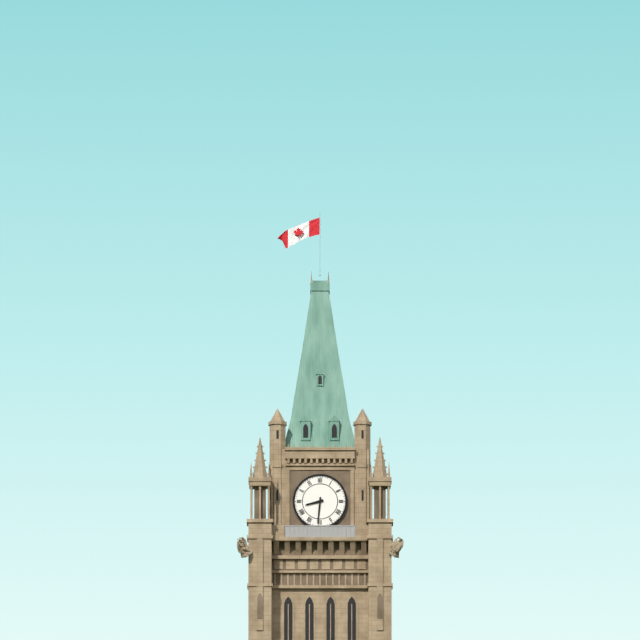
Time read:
8.31
